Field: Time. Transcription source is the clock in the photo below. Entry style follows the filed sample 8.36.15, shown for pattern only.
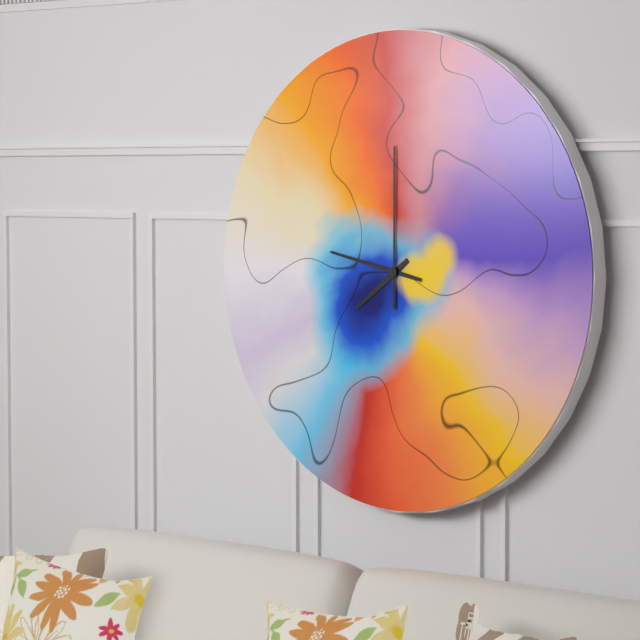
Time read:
7.47.00
